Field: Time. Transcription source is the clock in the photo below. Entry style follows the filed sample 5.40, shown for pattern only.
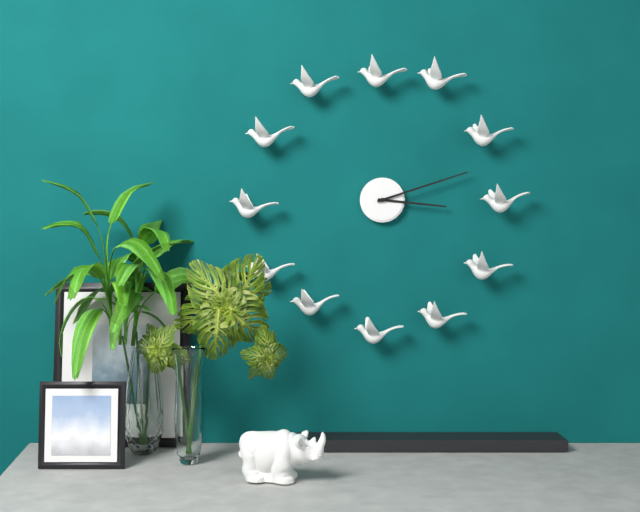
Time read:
3.12
